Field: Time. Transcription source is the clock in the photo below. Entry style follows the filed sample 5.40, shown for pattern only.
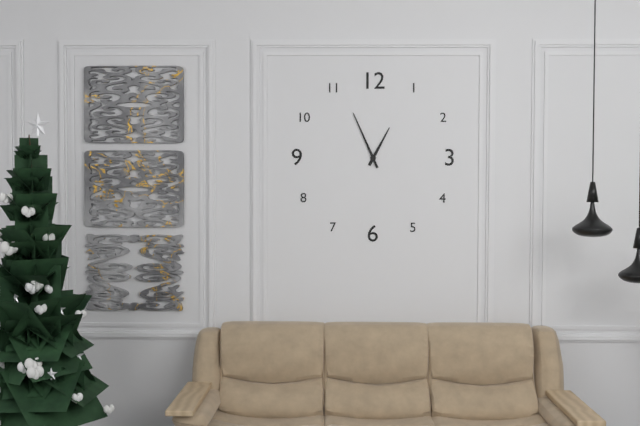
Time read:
12.56
